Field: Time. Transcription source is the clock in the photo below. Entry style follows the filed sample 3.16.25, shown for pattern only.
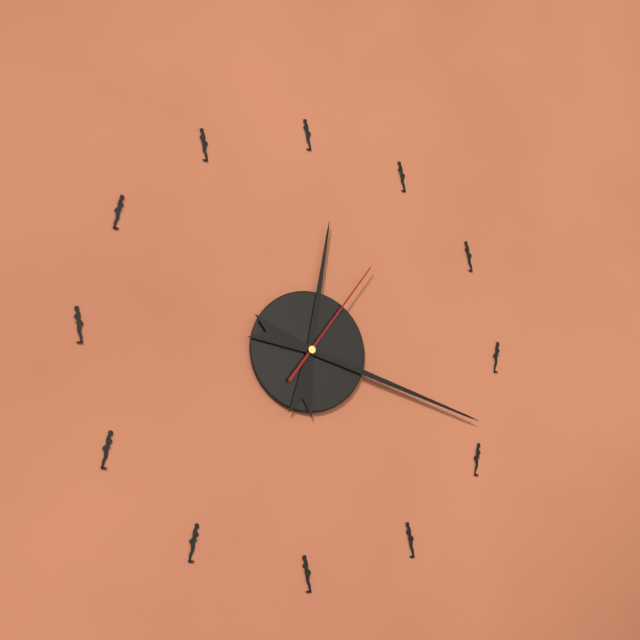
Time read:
12.18.06
